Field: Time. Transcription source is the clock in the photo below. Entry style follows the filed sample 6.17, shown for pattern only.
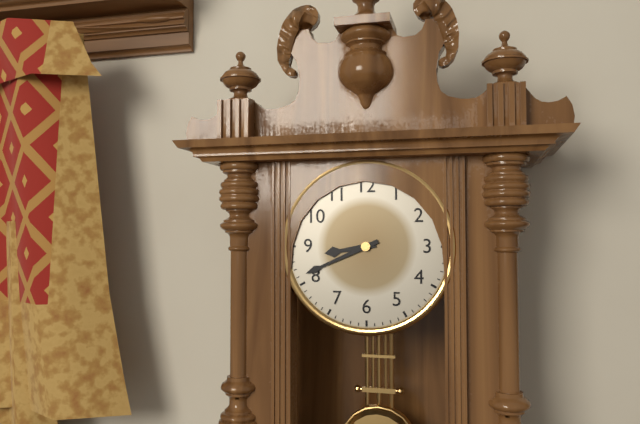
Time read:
8.41
